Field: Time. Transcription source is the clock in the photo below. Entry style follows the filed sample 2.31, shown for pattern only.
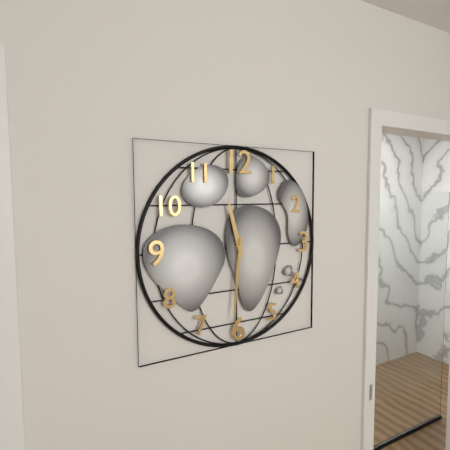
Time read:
11.31
